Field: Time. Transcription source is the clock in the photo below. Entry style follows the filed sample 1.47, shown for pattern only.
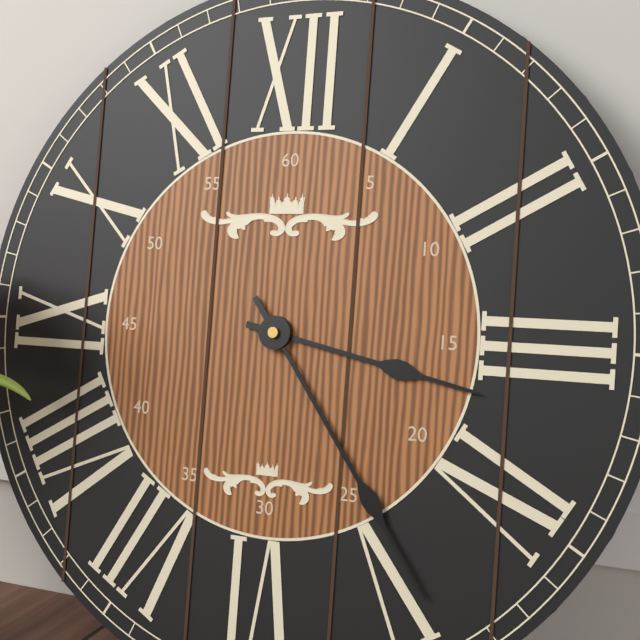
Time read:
3.24
